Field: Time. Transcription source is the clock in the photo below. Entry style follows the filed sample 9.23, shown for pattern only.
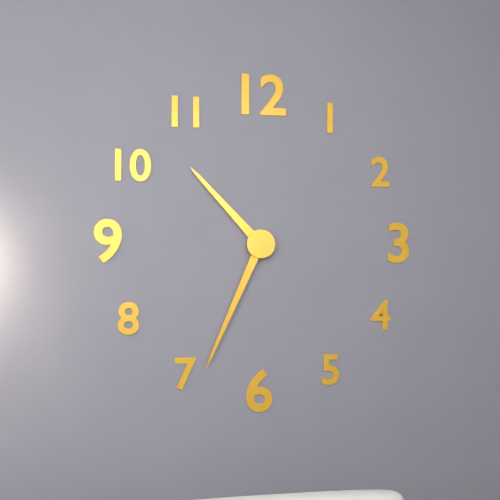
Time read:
10.34
